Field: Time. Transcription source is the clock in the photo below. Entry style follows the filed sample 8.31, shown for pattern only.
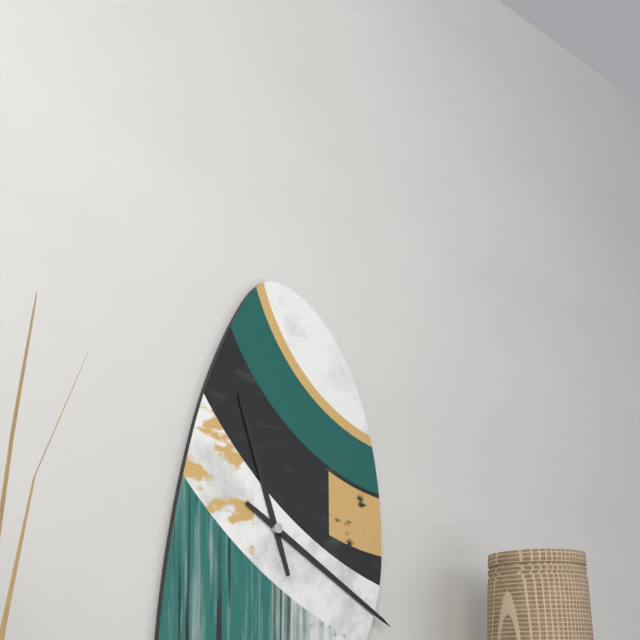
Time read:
11.20
